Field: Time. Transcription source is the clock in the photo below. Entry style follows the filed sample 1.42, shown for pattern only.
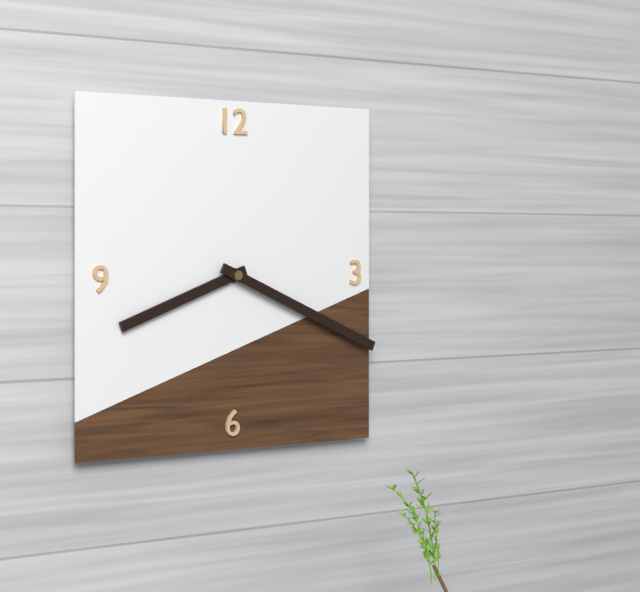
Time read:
8.19
